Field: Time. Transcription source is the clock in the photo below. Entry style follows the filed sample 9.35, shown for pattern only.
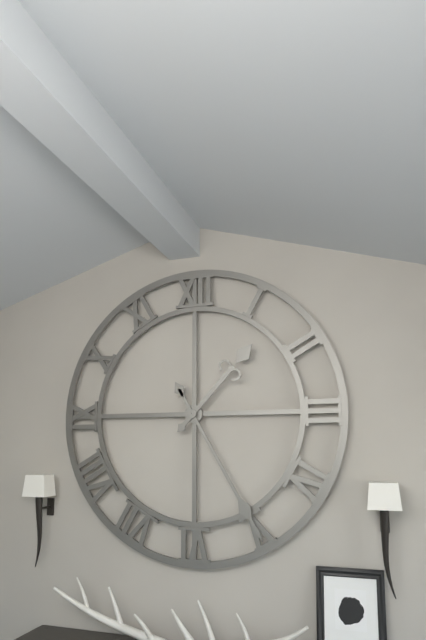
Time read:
1.25
